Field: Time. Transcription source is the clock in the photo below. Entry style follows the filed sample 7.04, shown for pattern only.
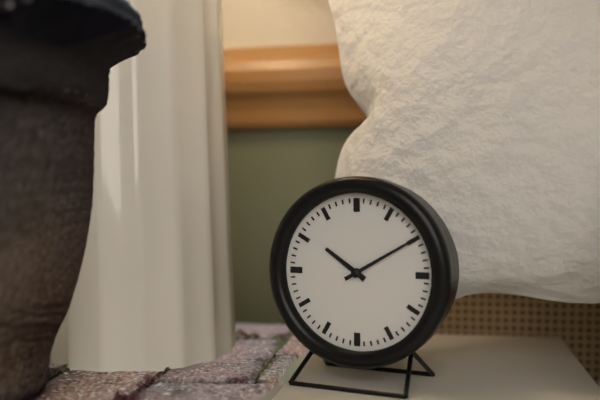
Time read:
10.10
